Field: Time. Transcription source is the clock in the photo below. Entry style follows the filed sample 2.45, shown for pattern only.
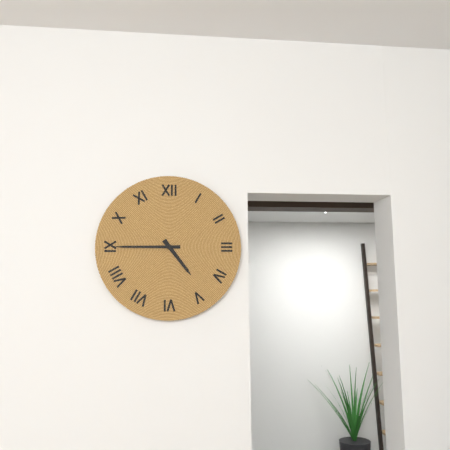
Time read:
4.45
